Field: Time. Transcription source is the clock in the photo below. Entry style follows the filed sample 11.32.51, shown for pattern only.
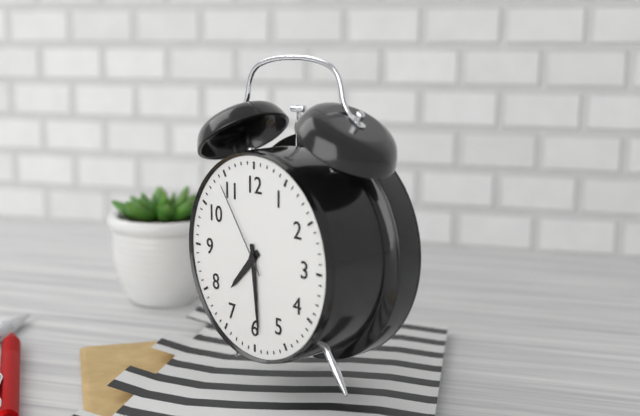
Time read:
7.29.54
